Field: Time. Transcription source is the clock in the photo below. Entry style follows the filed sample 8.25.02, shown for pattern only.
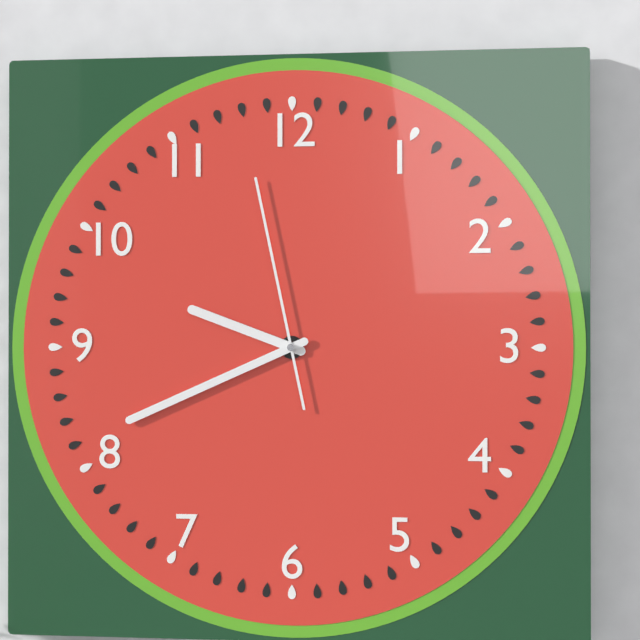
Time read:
9.41.58
